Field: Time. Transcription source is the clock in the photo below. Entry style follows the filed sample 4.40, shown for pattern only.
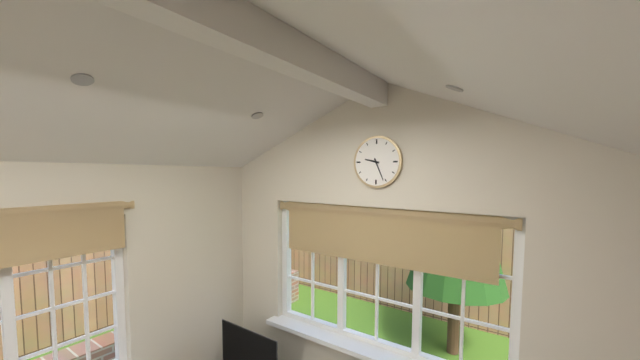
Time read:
9.26
